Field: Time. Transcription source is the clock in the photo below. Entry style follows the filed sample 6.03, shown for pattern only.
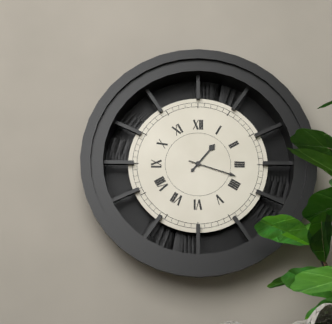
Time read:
1.18
